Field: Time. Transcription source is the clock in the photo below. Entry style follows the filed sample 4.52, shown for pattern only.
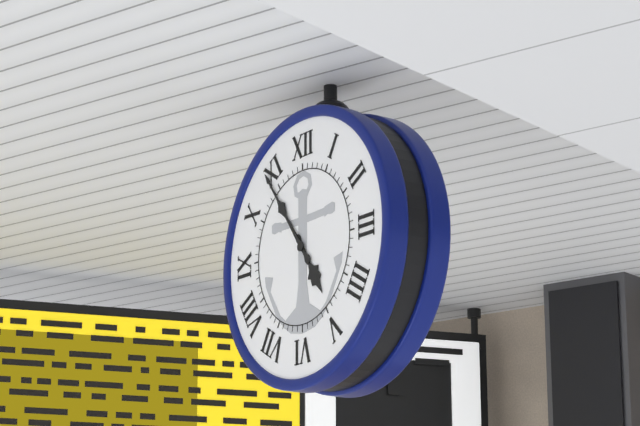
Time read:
4.54
